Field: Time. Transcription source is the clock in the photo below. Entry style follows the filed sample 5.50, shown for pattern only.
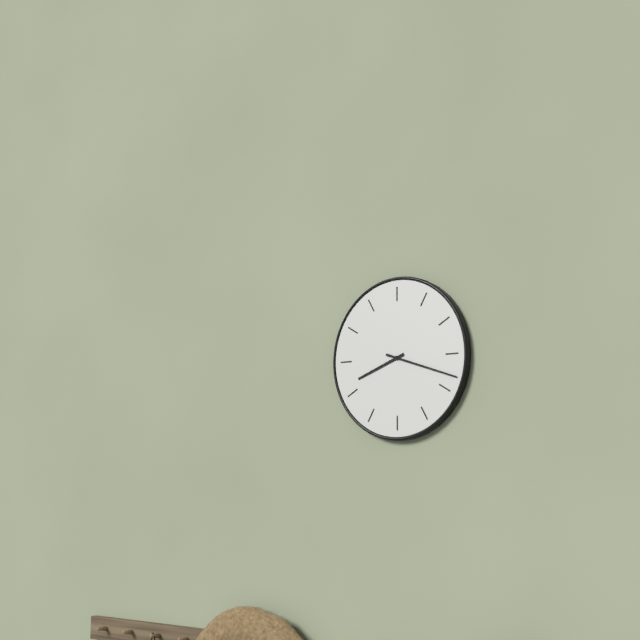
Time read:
8.18
